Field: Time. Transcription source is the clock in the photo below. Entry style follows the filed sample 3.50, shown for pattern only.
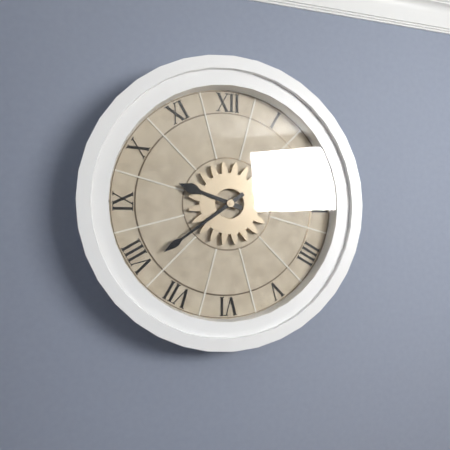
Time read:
9.39
